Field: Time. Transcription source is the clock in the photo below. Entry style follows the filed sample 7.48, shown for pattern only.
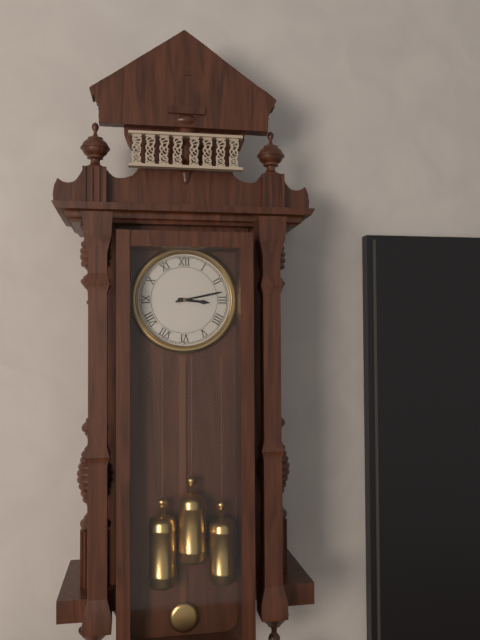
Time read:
3.13
